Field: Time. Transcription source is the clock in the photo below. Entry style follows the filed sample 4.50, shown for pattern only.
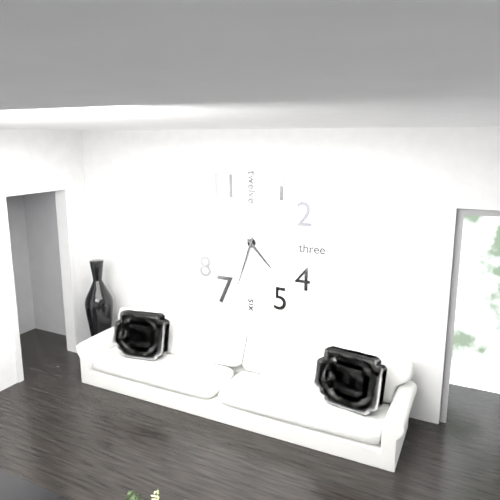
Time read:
4.33
